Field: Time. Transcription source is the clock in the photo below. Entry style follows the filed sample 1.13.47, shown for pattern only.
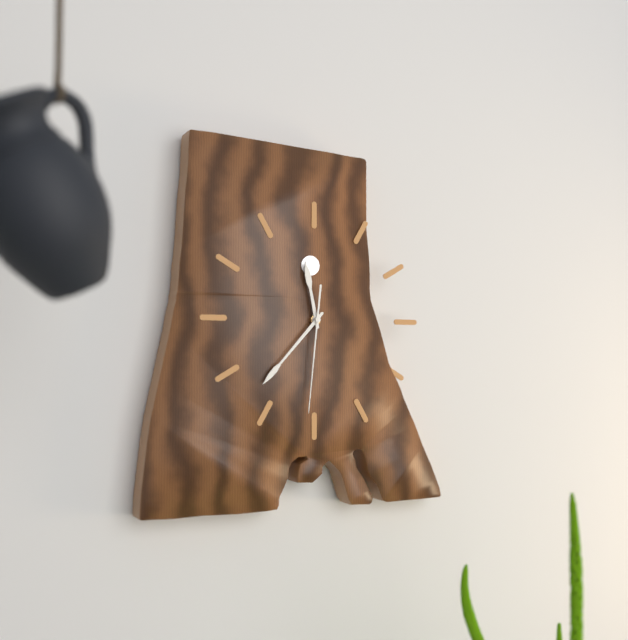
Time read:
11.37.31
